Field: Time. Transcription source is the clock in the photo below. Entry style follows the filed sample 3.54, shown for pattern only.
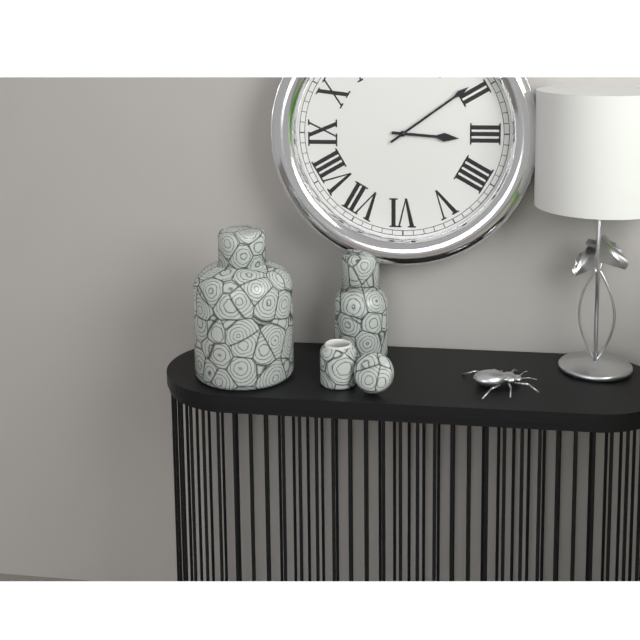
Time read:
3.09
